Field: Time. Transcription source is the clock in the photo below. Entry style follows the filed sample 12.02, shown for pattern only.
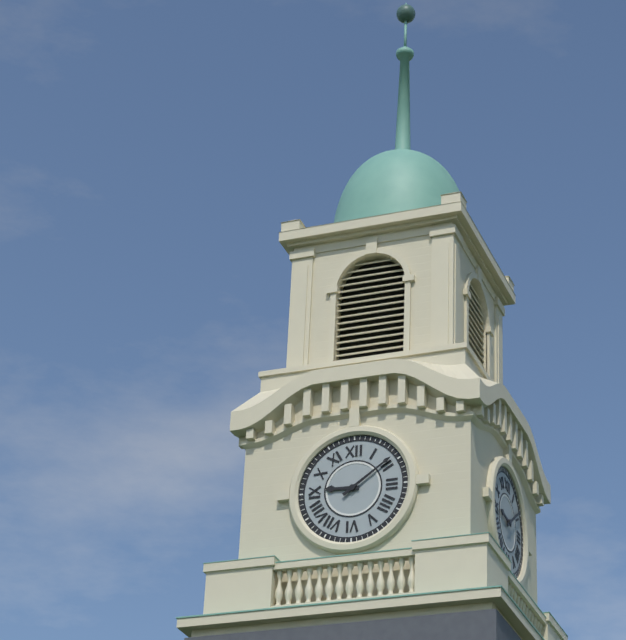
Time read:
9.09
